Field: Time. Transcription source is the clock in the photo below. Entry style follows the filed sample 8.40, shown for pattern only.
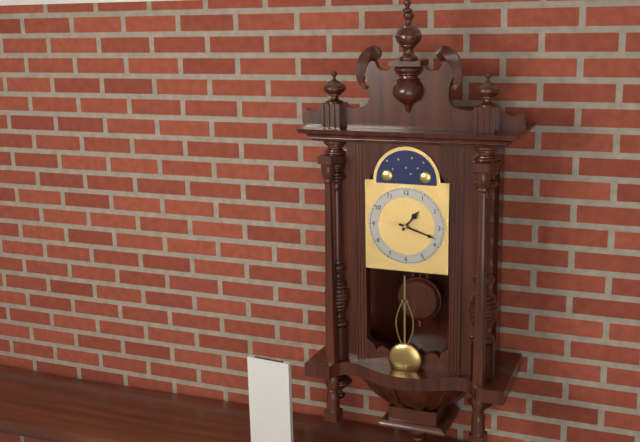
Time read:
1.18
